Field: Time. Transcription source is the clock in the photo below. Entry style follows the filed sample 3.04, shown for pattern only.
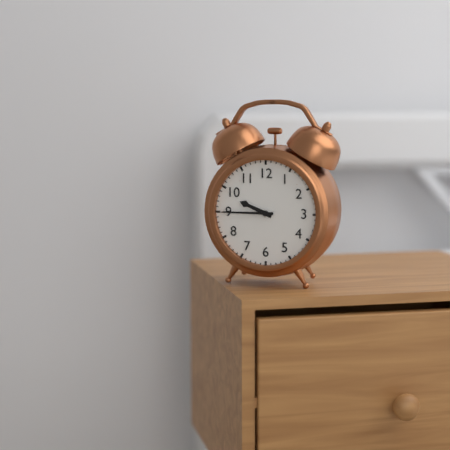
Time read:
9.45
